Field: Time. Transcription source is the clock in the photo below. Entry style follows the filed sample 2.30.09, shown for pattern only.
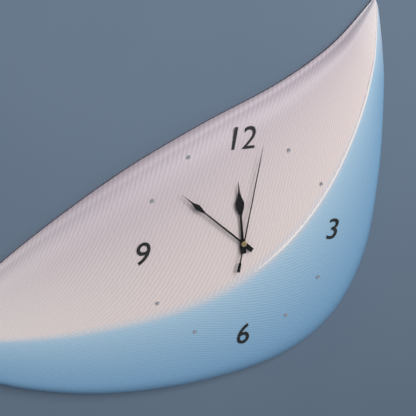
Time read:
11.52.02
